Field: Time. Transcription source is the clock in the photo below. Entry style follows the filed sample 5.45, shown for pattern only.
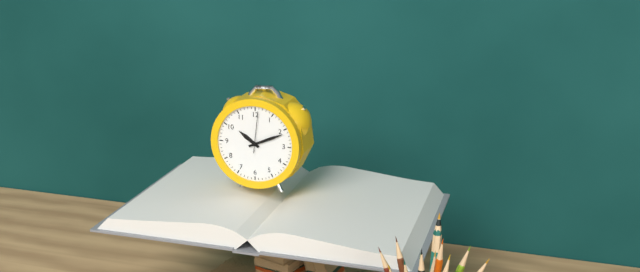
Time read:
10.11
